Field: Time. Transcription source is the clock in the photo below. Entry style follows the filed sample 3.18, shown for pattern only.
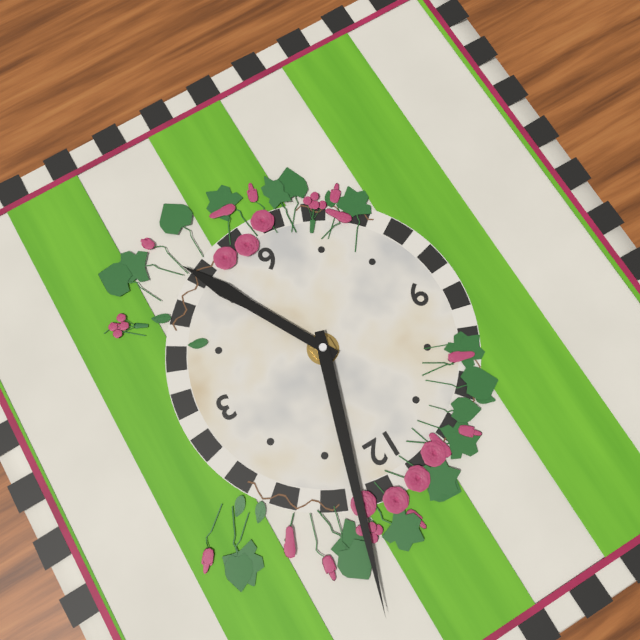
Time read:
5.03
